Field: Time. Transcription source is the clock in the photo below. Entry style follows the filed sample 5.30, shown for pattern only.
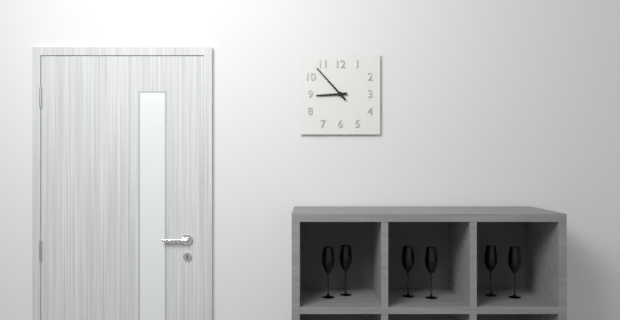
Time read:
8.53
